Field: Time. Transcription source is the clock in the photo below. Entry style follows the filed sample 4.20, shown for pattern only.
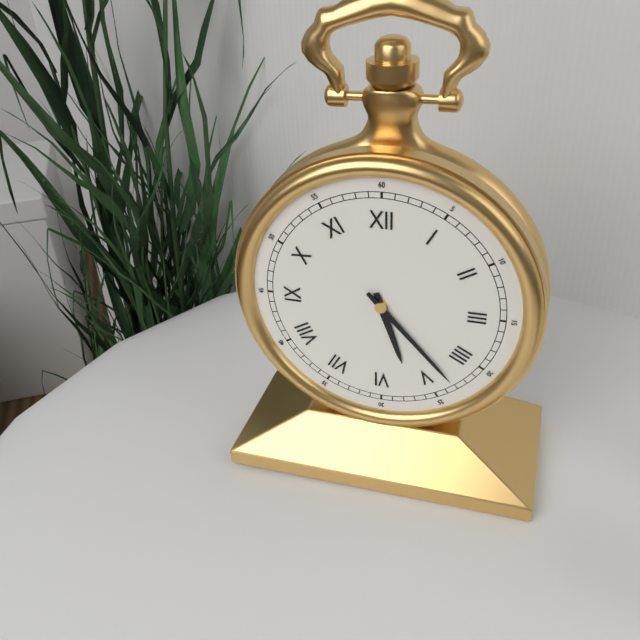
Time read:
5.23
